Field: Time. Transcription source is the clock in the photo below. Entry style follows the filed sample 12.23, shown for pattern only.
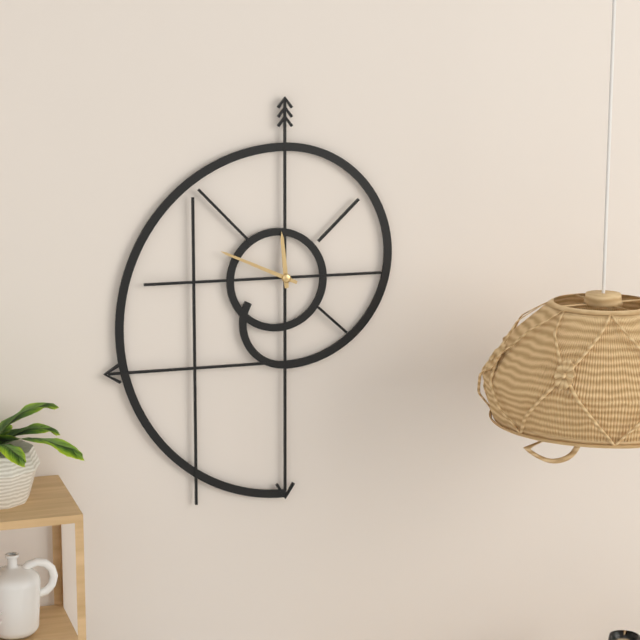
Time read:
11.49
